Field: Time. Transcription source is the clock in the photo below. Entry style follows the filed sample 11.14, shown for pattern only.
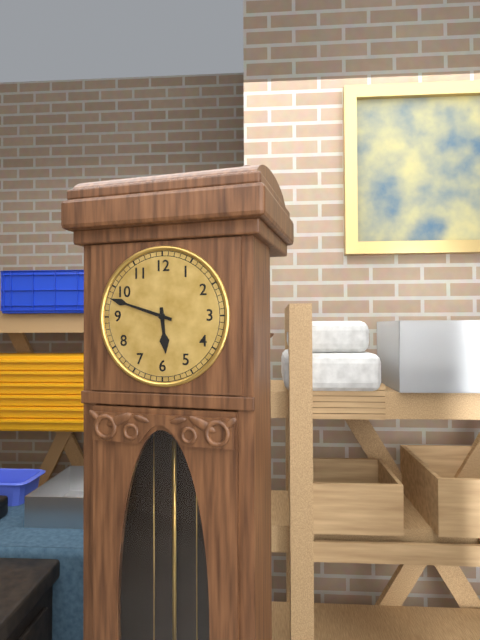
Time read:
5.48
